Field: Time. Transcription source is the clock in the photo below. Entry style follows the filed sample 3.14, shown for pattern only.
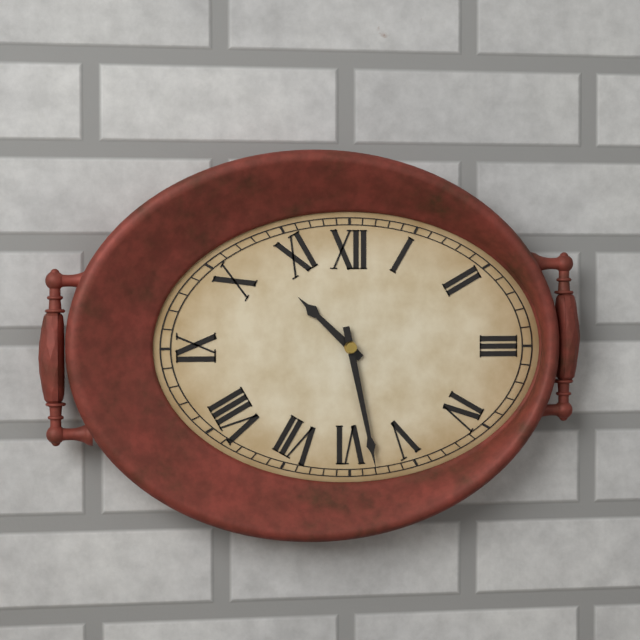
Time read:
10.28
